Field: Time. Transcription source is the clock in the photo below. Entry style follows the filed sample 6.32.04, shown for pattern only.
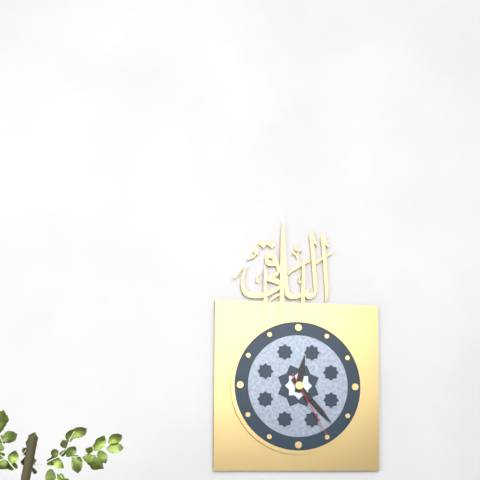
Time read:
12.23.25
